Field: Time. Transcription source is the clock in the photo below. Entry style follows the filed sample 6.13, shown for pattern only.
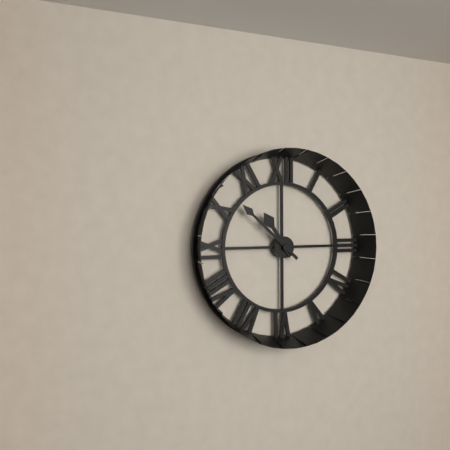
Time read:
10.52
